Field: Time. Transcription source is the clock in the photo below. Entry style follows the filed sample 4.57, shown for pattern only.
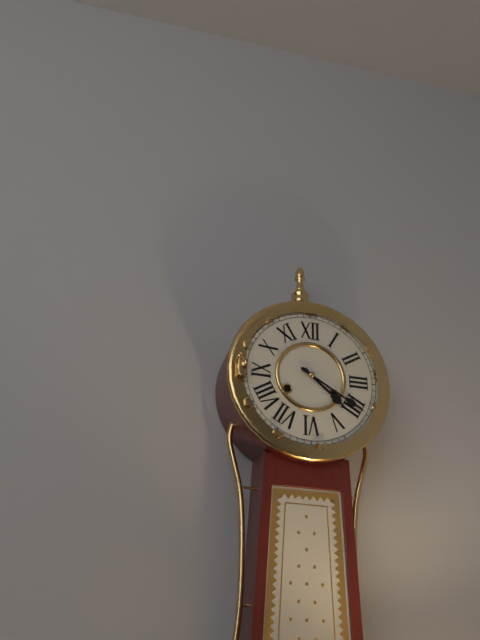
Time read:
4.20
